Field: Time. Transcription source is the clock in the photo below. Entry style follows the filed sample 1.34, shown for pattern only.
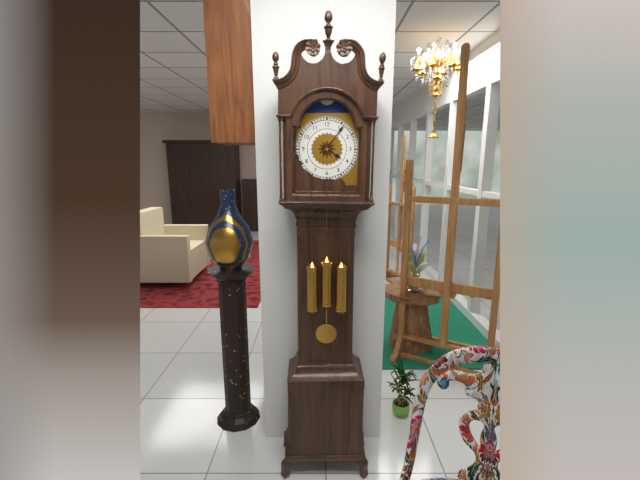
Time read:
4.06
